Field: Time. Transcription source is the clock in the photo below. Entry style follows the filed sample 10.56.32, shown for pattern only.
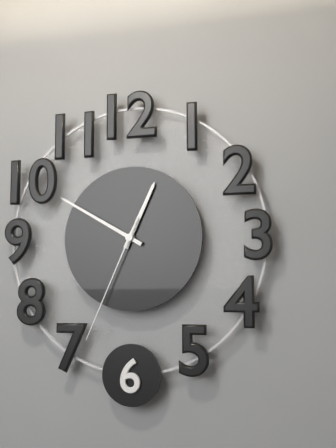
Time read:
12.50.34
